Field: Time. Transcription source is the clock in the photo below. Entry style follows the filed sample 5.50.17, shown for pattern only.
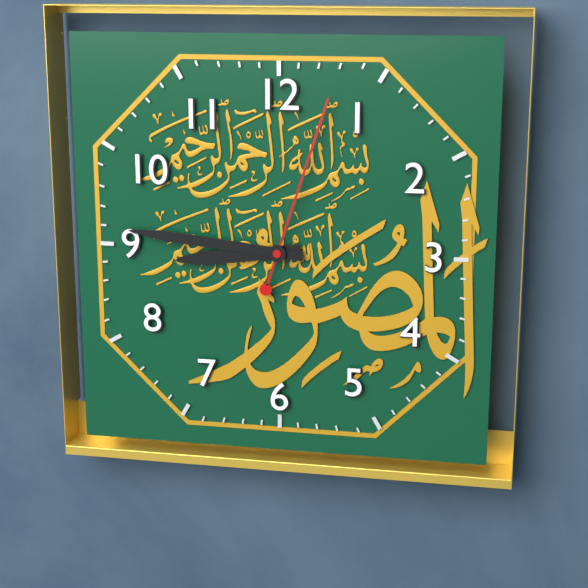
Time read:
8.46.03
